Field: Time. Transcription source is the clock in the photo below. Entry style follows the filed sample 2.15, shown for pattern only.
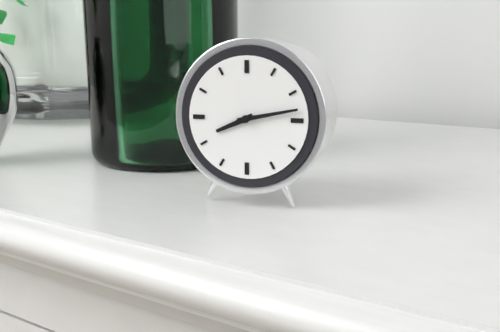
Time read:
8.13
